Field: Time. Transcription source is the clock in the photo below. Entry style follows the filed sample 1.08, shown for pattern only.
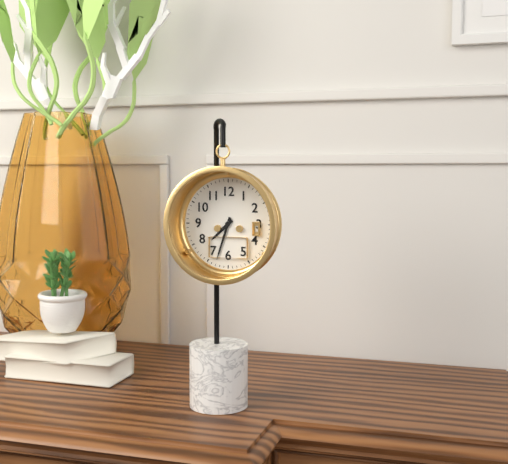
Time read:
7.33
